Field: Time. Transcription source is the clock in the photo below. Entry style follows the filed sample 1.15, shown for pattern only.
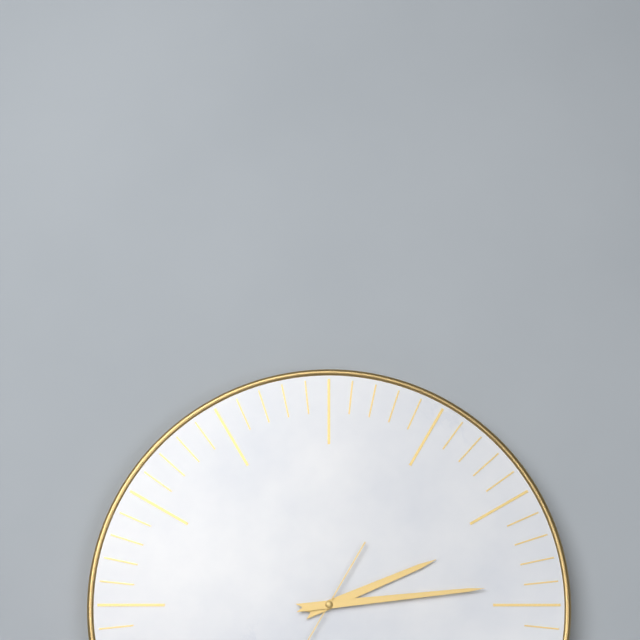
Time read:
2.14
